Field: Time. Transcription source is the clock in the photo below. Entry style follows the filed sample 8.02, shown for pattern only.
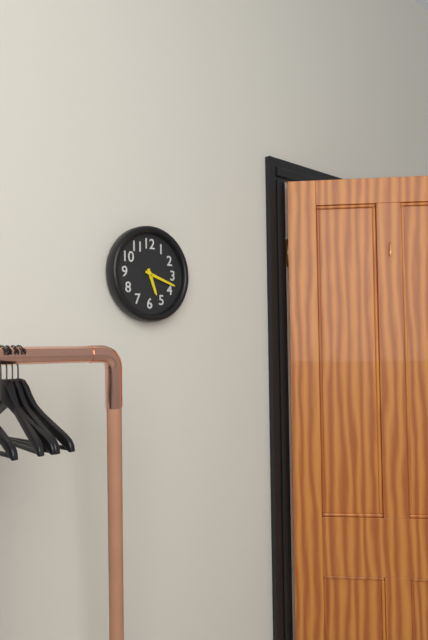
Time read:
5.18
